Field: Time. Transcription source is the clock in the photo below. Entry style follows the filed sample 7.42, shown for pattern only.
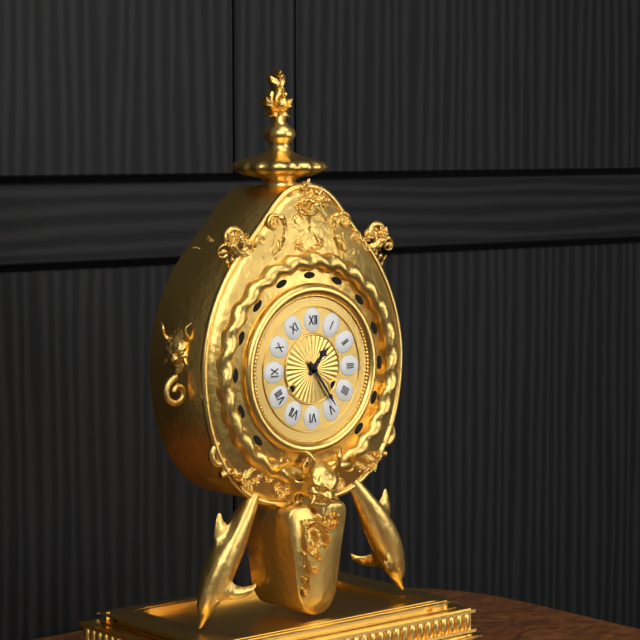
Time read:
1.24
